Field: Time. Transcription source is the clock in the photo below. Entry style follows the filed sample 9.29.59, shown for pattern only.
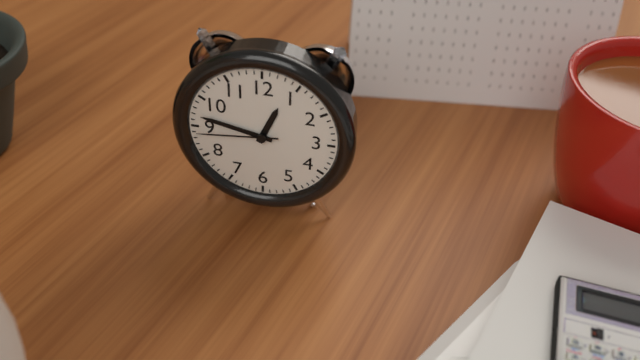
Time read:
12.47.44
